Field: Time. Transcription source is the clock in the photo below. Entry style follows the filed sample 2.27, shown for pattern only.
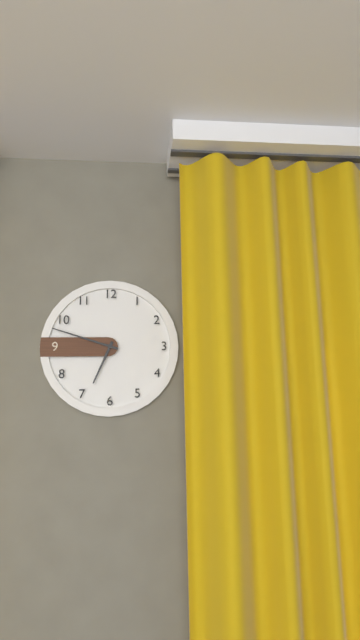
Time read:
6.48
